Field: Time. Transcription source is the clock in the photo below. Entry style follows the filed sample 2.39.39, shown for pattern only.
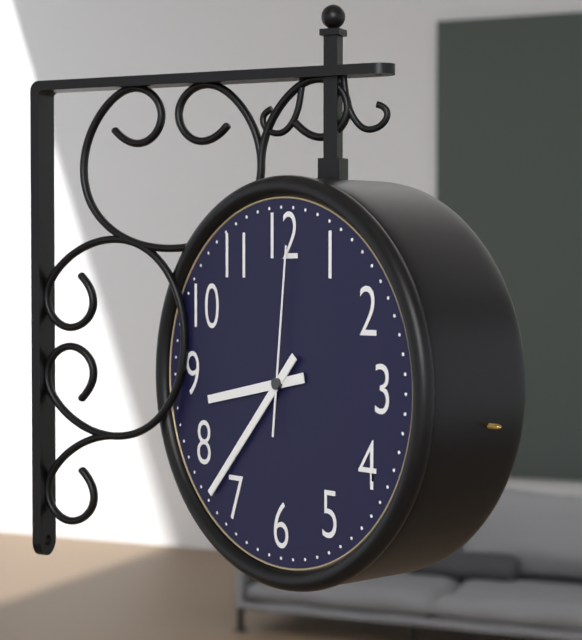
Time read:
8.37.01
